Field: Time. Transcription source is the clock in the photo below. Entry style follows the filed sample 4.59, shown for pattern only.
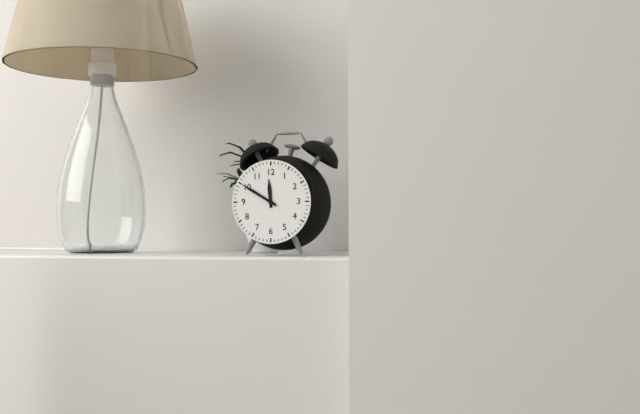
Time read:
11.50
